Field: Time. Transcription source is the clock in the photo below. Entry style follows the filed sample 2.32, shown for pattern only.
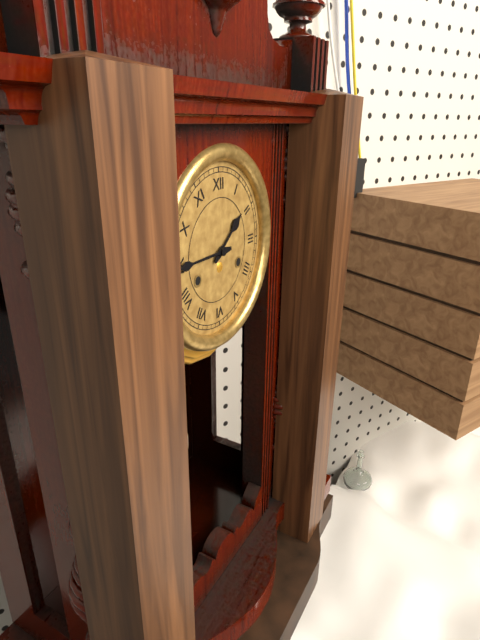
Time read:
1.45
